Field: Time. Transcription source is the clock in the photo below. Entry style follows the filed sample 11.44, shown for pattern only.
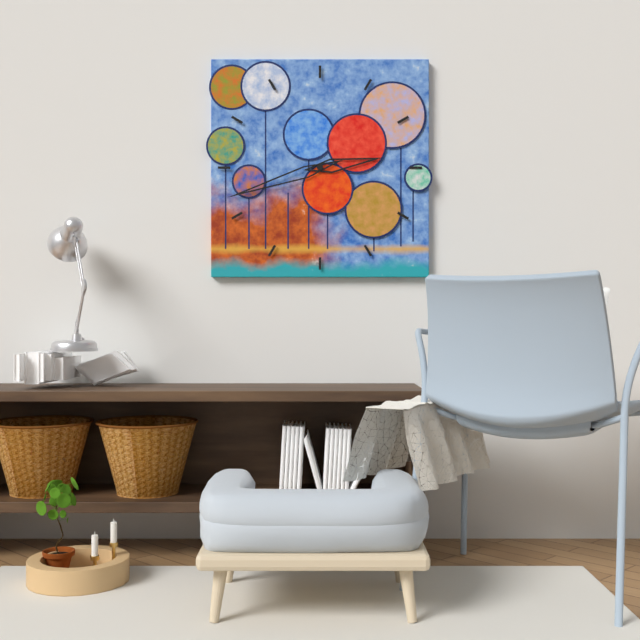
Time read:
2.42
